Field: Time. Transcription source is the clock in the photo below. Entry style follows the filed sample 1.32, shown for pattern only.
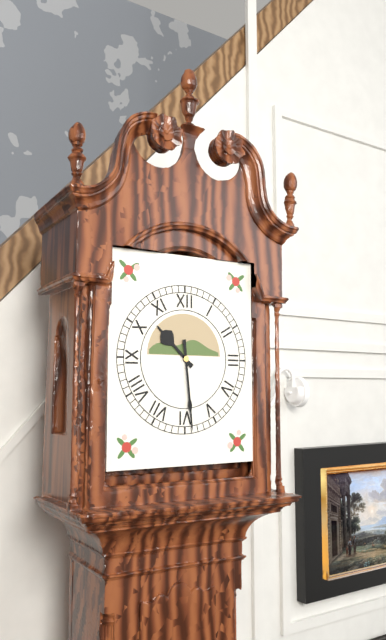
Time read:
10.29
